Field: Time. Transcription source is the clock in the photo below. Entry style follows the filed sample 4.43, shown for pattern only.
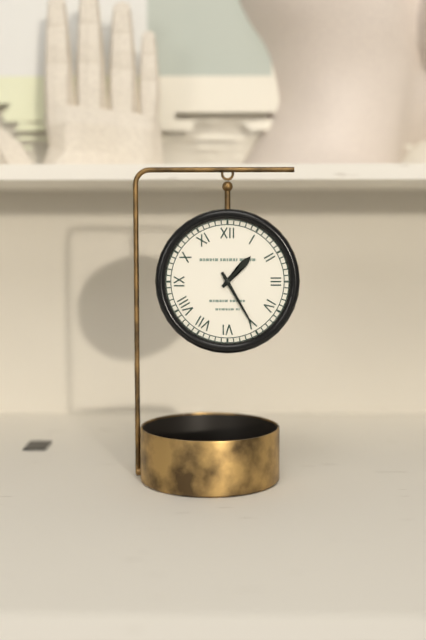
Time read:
1.25
